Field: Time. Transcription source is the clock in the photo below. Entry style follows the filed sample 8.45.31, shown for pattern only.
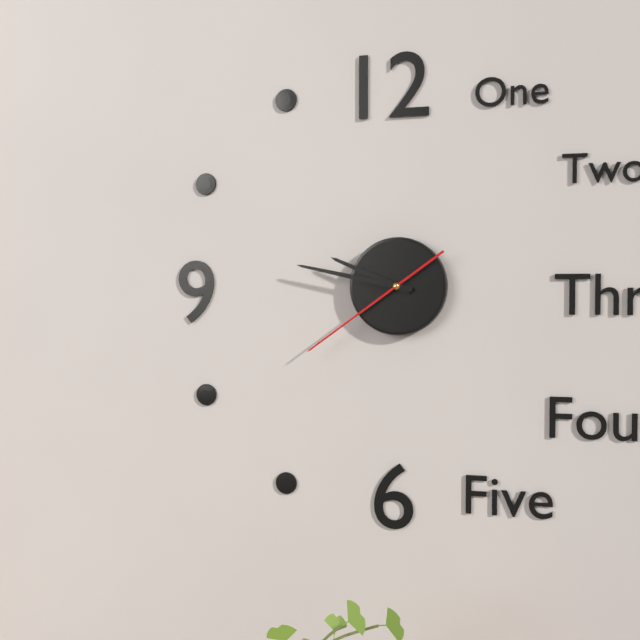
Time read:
9.47.39
